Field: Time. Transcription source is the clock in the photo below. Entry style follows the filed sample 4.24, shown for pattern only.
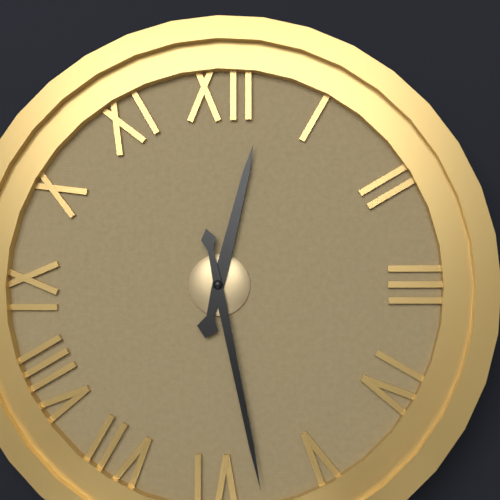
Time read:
12.28
